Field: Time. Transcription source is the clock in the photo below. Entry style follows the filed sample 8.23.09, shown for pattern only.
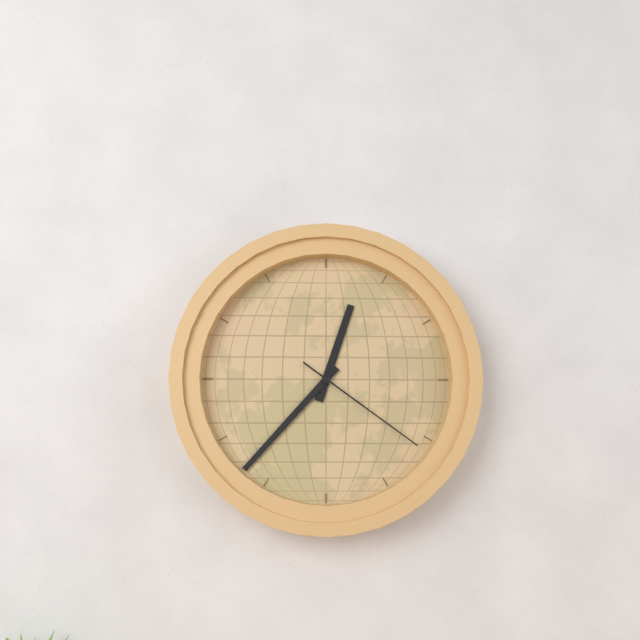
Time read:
12.37.21
